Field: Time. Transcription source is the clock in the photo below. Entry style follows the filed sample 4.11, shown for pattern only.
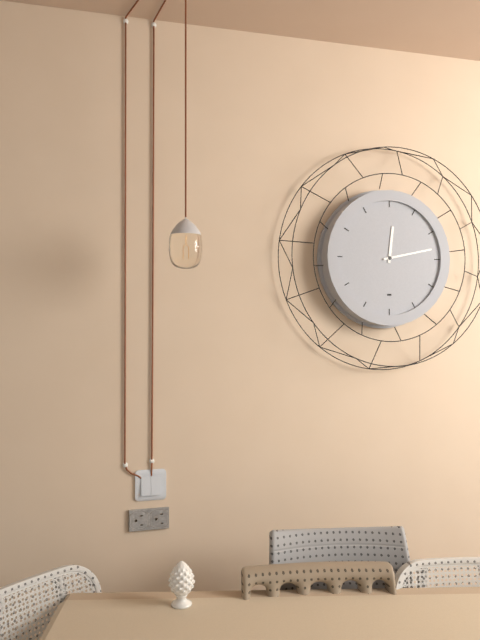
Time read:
12.13
